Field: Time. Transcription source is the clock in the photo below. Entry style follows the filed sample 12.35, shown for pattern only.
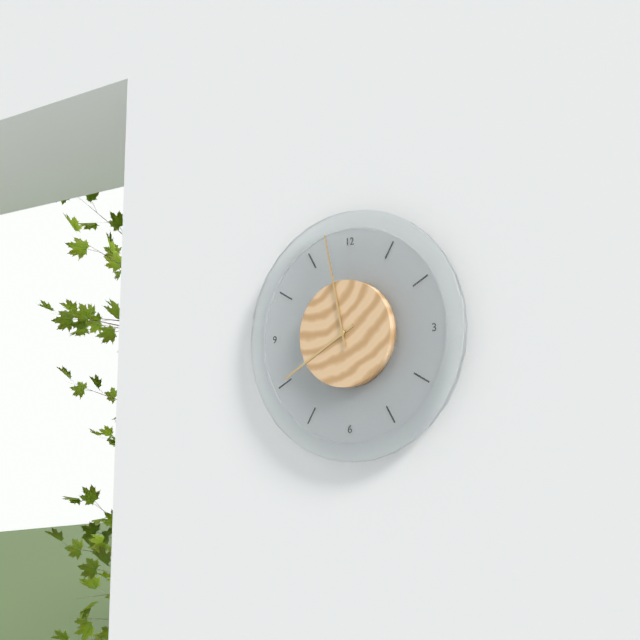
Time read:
7.58
